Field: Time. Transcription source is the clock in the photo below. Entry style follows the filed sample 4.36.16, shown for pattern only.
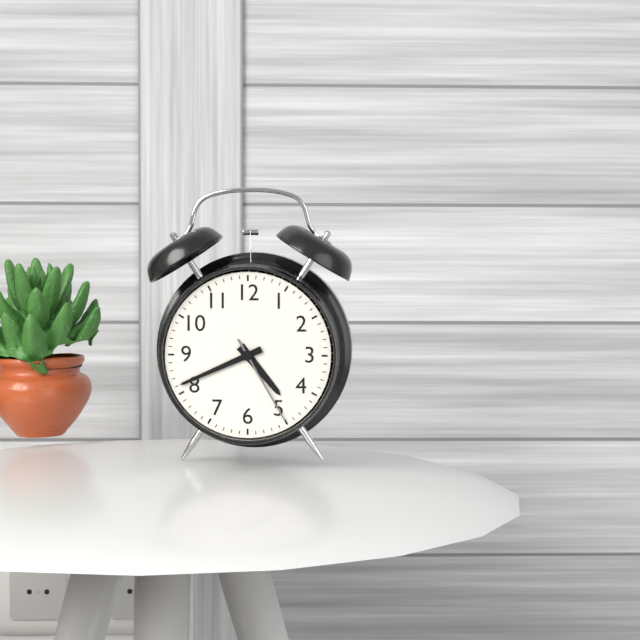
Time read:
4.41.25
